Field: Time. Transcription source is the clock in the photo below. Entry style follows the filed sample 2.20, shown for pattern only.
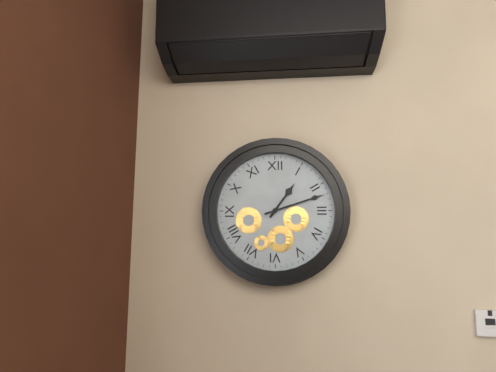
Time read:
1.12
